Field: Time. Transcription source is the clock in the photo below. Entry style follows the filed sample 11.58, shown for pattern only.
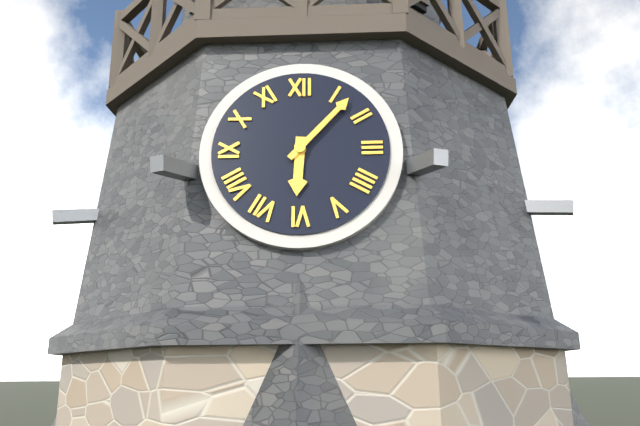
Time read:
6.07
